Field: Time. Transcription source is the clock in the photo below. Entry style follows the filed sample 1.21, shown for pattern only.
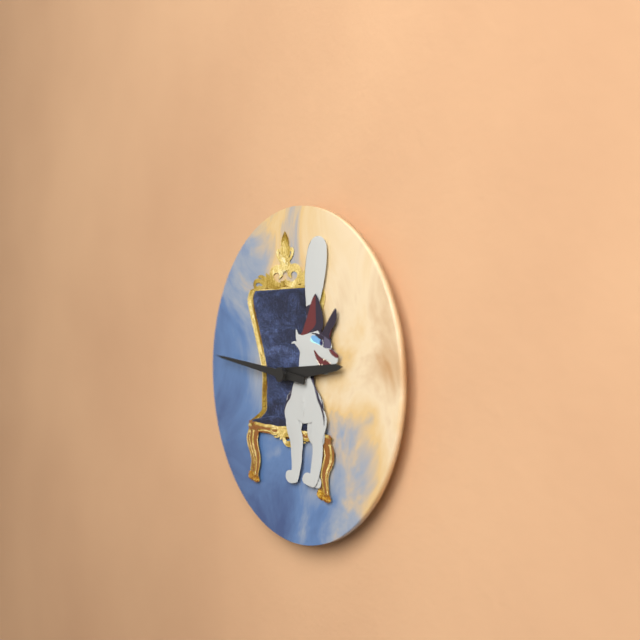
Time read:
2.46
